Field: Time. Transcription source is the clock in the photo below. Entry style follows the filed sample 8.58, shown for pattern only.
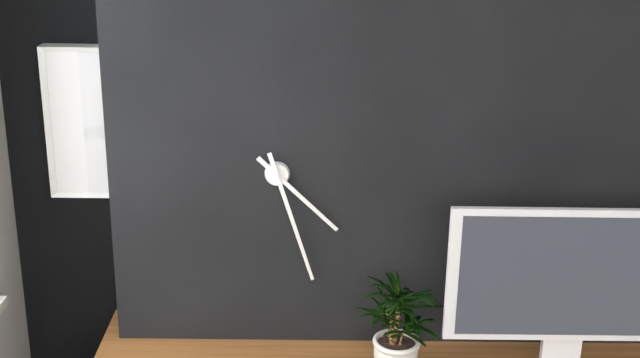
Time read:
4.27
